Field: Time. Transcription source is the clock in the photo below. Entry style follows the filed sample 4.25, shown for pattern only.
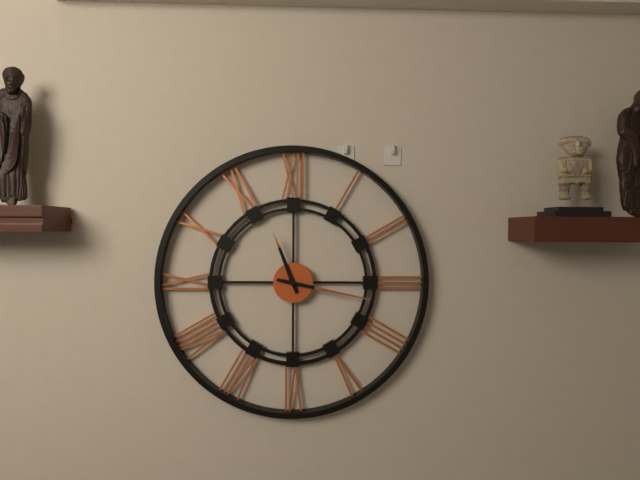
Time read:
11.17
